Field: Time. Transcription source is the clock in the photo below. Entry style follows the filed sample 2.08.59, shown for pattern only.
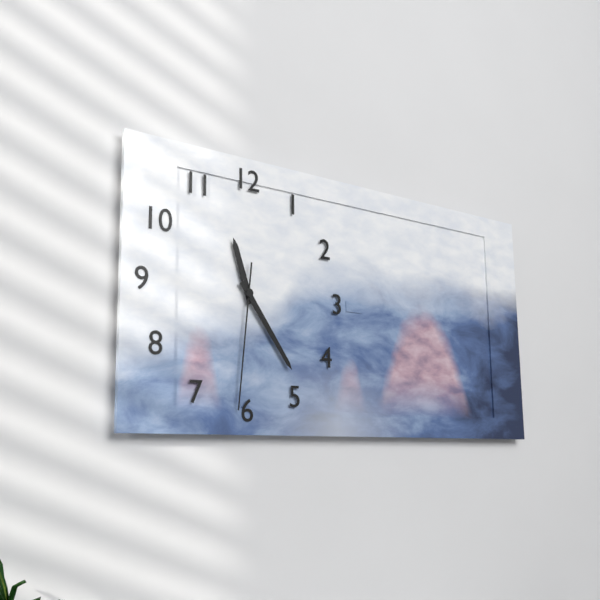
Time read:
11.24.31
